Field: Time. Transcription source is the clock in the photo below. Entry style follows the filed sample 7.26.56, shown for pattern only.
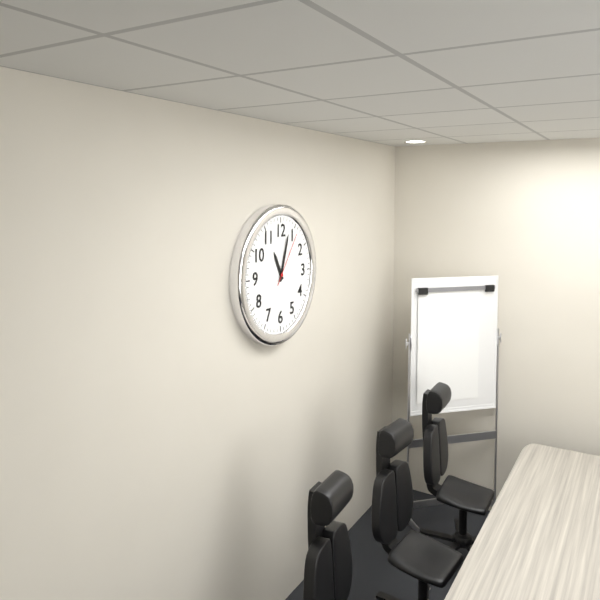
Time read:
11.03.06
